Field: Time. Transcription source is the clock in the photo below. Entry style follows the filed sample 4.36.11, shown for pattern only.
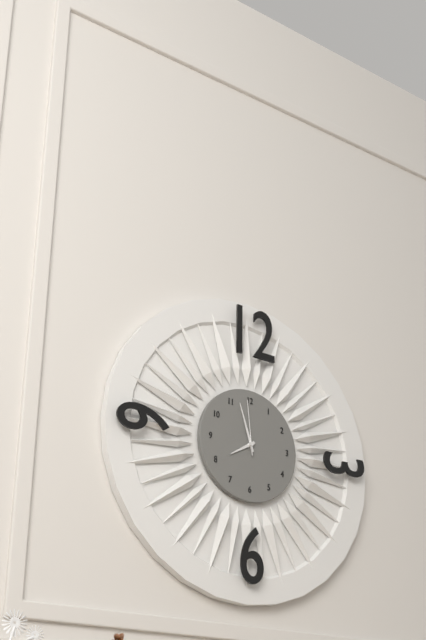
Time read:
7.57.59
